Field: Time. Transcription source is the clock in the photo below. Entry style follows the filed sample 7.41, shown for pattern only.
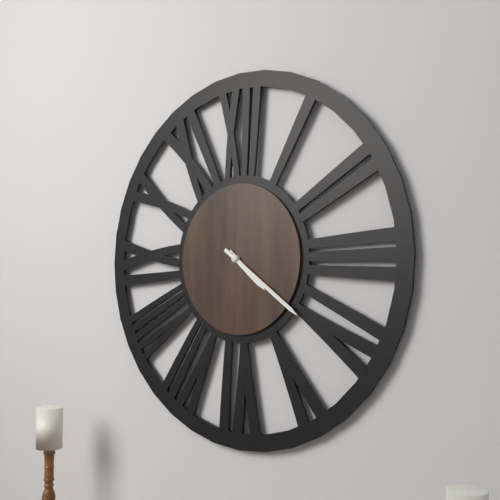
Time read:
4.21
